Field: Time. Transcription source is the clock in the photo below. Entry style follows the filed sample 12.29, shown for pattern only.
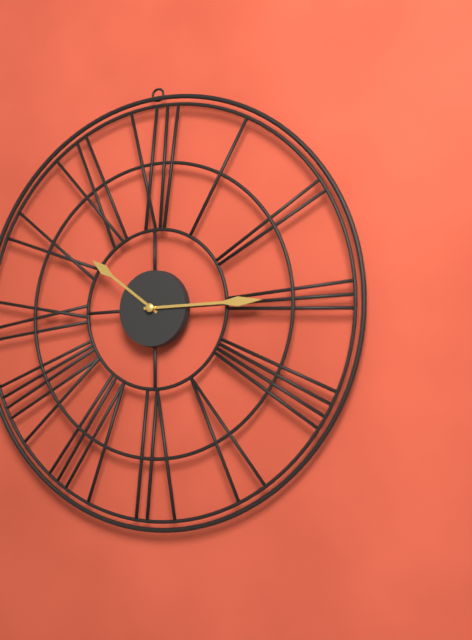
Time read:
10.15
